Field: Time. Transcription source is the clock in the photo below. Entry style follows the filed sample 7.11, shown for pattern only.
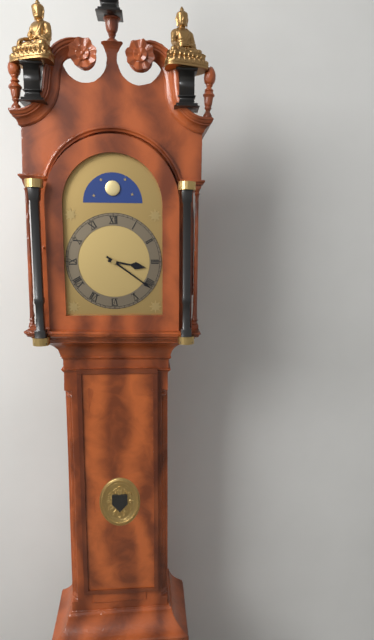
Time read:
3.21
